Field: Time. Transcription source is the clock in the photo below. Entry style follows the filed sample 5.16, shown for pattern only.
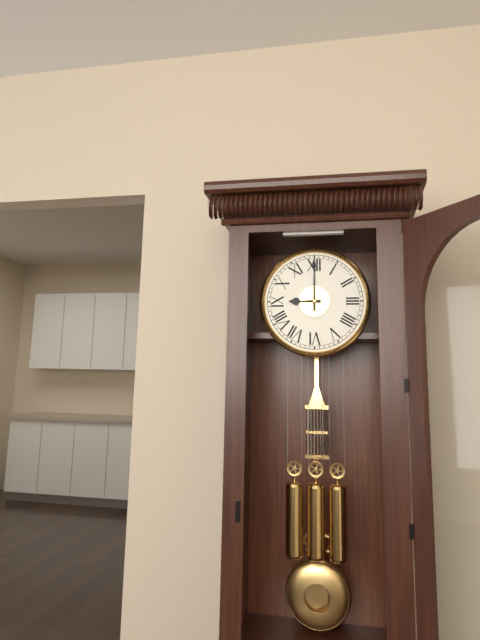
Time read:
9.00
